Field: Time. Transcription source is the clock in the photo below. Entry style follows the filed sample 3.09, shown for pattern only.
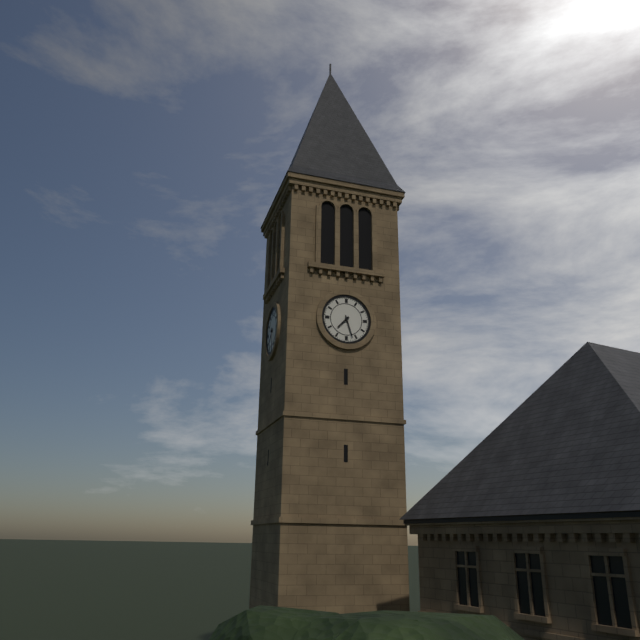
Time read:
7.27
